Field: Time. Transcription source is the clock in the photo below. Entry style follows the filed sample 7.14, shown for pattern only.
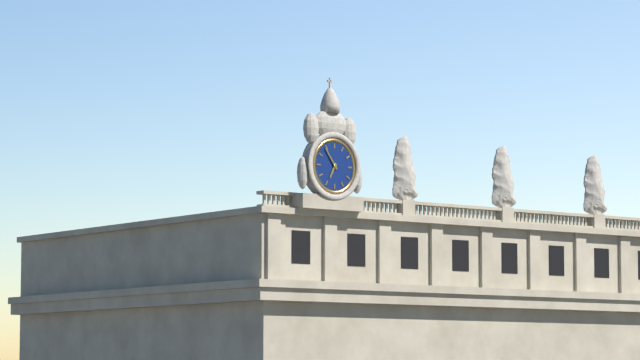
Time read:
6.54
